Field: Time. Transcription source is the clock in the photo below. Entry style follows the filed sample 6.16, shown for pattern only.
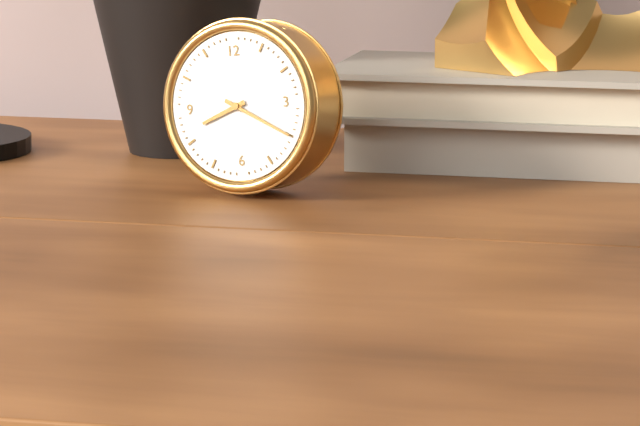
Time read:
8.20
